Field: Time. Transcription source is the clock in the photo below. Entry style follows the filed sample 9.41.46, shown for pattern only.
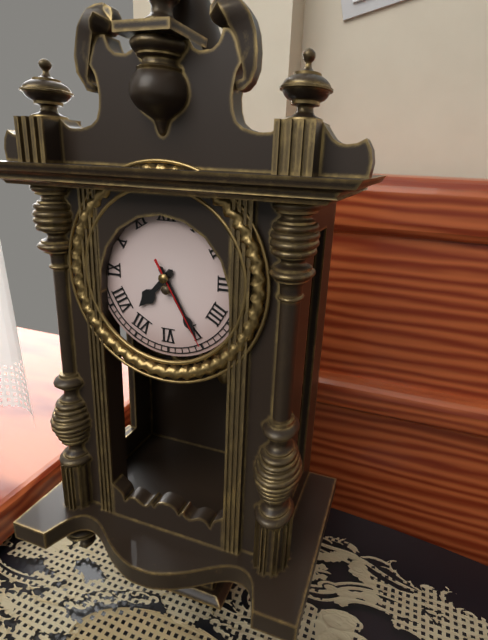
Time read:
7.25.25
